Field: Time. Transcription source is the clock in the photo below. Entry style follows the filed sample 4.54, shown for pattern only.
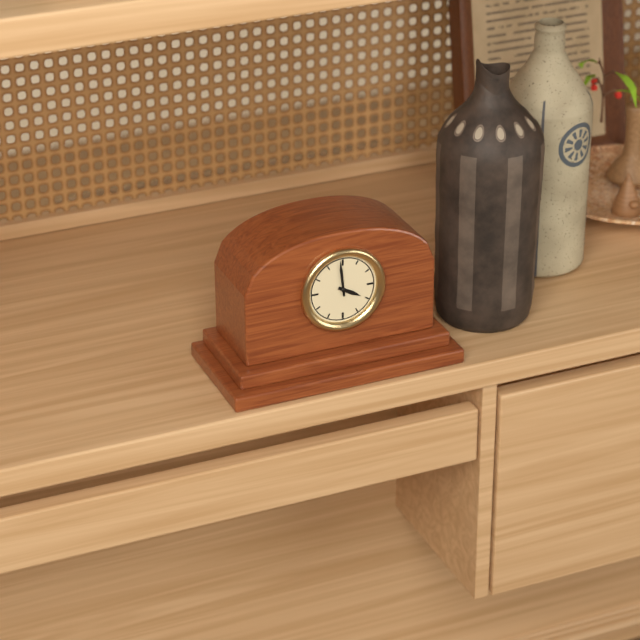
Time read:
3.59
